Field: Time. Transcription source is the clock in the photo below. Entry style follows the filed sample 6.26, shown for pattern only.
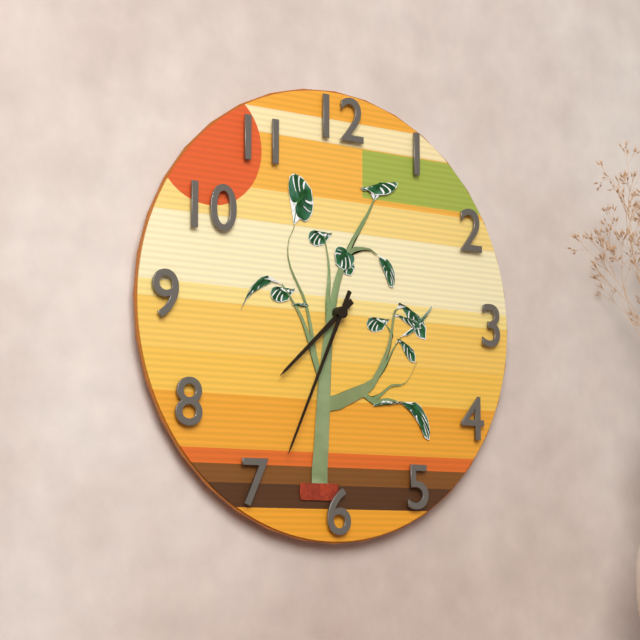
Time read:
7.34
